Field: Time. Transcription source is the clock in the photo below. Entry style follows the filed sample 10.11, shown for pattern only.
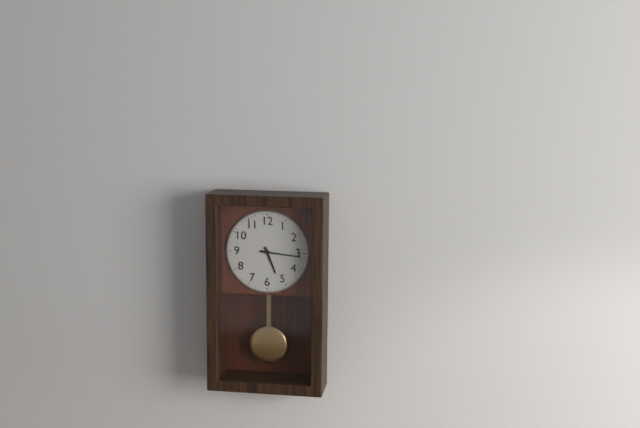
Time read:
5.16
